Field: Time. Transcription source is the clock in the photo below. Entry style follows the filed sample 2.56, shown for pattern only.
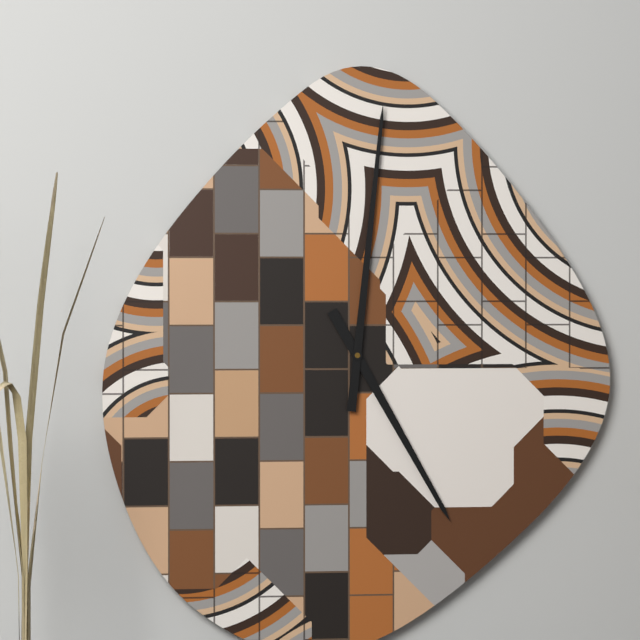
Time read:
5.01
